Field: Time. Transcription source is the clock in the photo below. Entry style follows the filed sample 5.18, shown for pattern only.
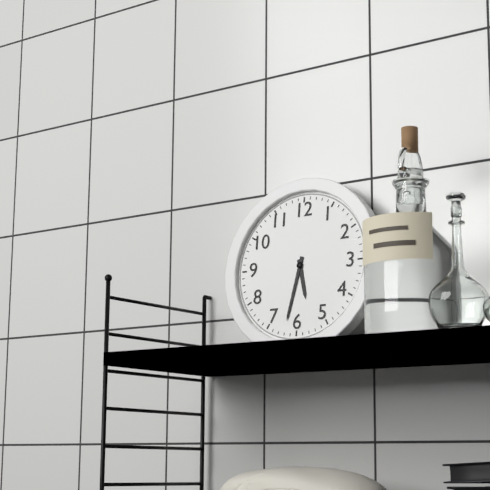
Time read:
5.32
